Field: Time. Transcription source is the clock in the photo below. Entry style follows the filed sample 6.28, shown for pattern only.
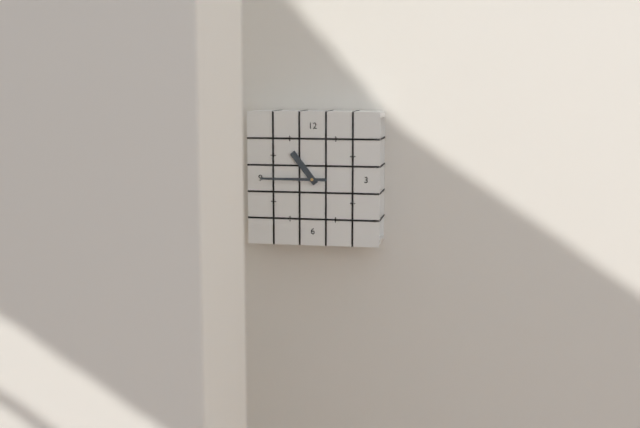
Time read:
10.45
